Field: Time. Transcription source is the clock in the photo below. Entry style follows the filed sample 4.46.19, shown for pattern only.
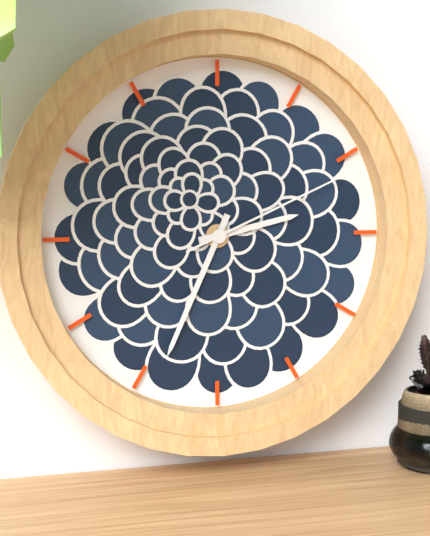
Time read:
2.34.11
